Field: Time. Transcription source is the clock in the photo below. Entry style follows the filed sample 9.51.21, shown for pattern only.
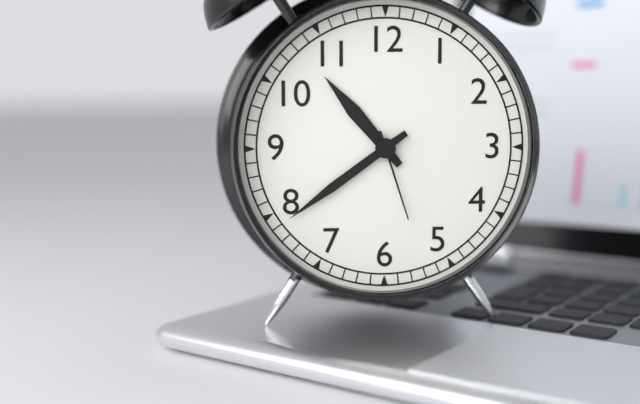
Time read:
10.39.27
